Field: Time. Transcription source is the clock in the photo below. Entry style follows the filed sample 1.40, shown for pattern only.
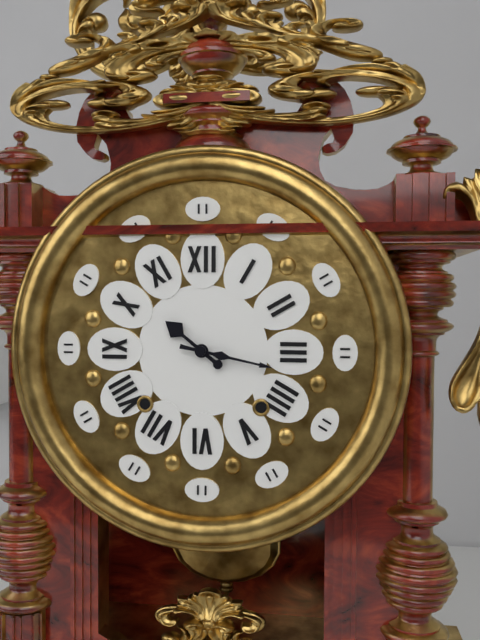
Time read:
10.17
